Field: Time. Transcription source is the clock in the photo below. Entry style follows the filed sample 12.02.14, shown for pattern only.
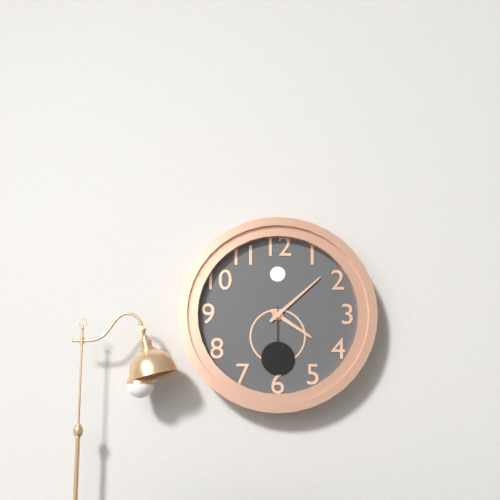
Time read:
4.08.30
